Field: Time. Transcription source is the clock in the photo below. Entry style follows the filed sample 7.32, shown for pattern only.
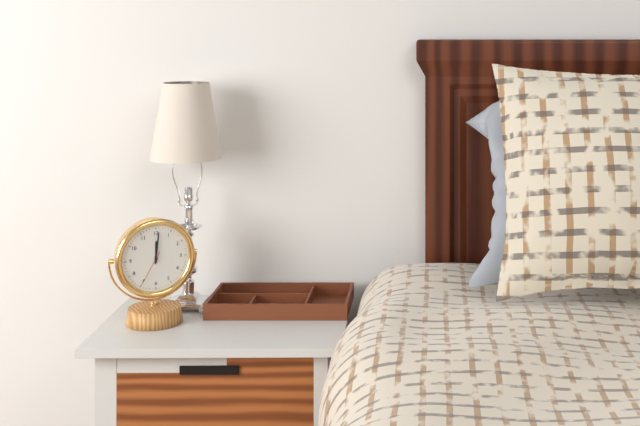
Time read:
12.01
